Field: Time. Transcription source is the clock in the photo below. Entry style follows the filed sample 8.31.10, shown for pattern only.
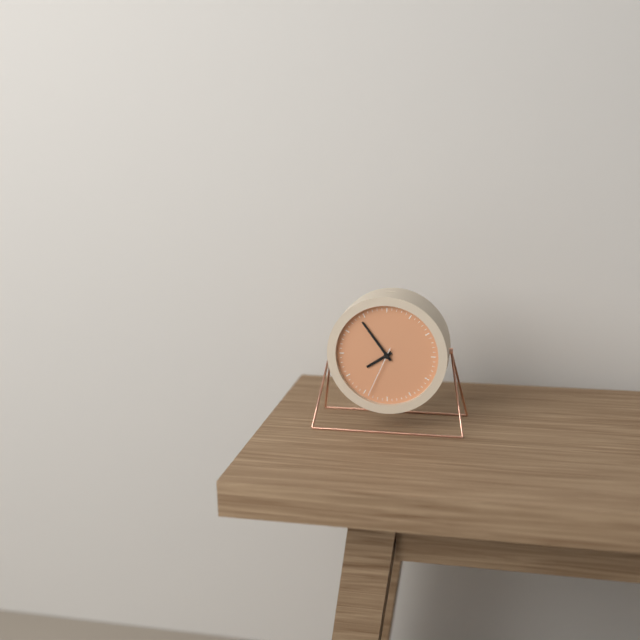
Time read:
7.54.34
